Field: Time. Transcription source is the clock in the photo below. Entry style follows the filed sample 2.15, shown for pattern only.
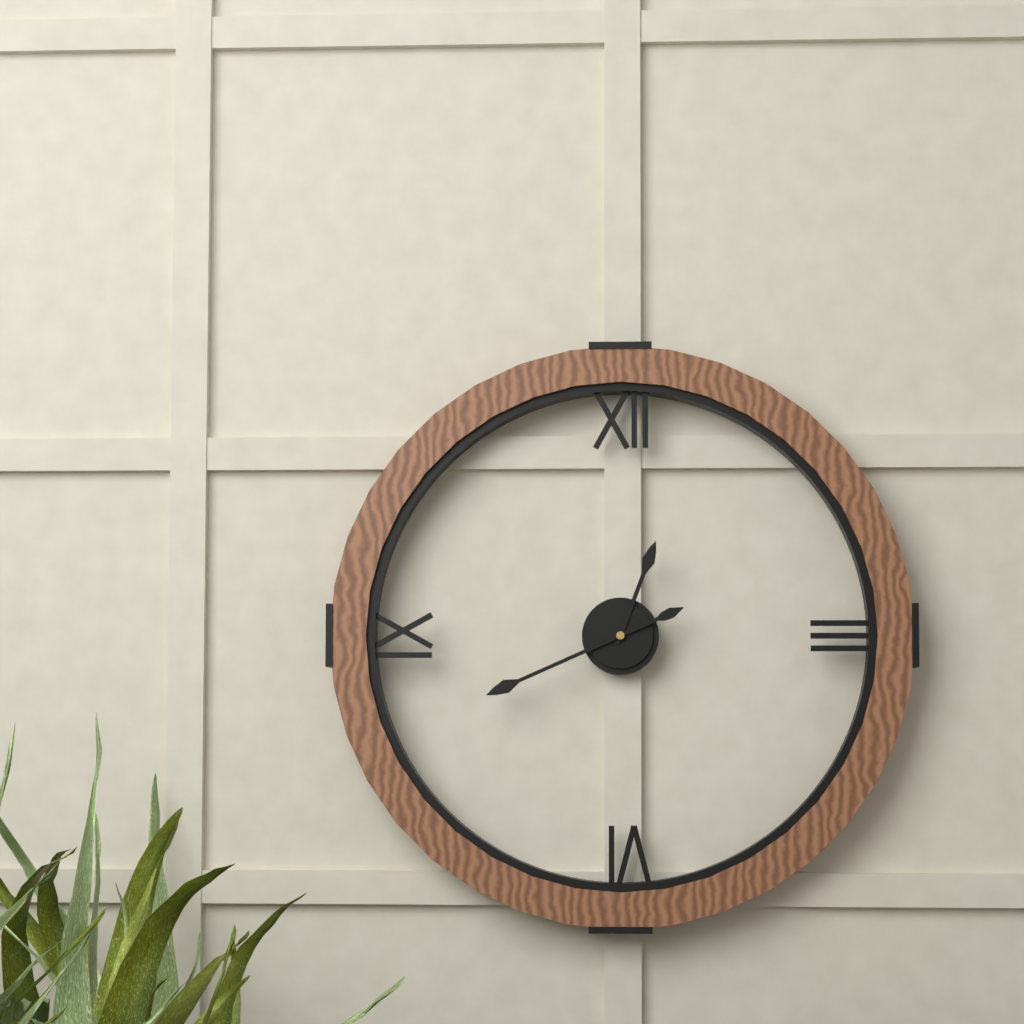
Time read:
12.41
